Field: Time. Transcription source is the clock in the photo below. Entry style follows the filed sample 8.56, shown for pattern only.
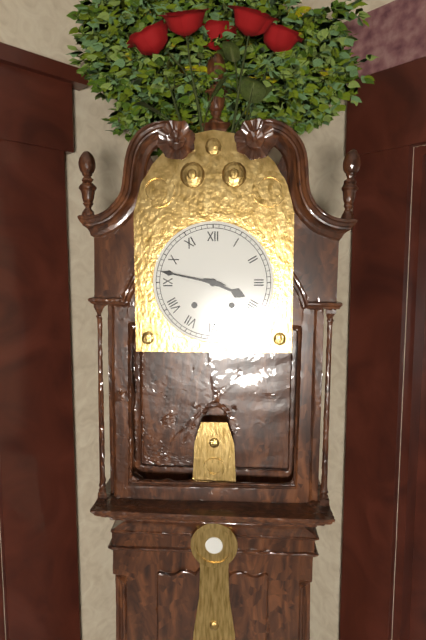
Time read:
3.47
